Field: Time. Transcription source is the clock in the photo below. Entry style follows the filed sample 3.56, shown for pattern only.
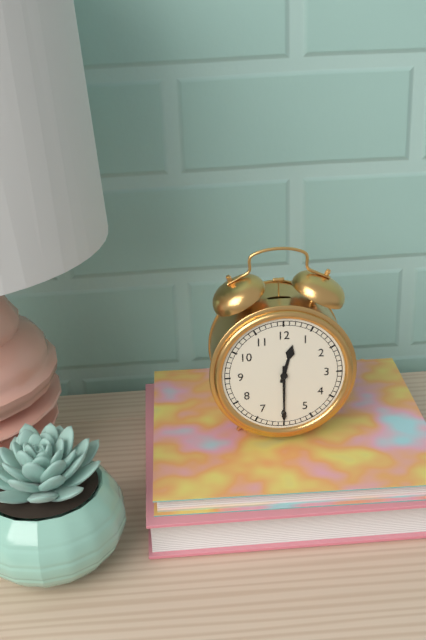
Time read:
12.30
